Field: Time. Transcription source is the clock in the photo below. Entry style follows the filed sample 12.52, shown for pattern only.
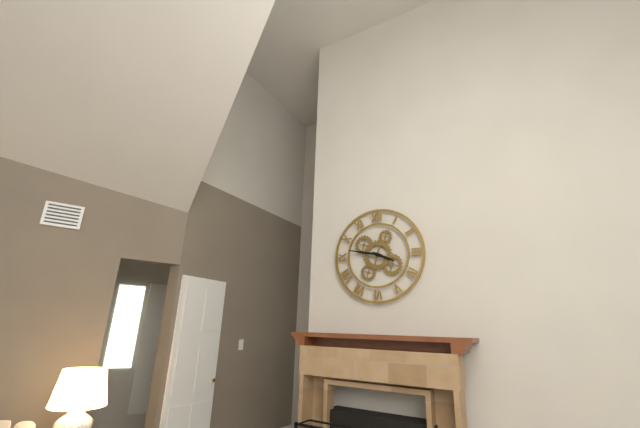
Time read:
3.47
